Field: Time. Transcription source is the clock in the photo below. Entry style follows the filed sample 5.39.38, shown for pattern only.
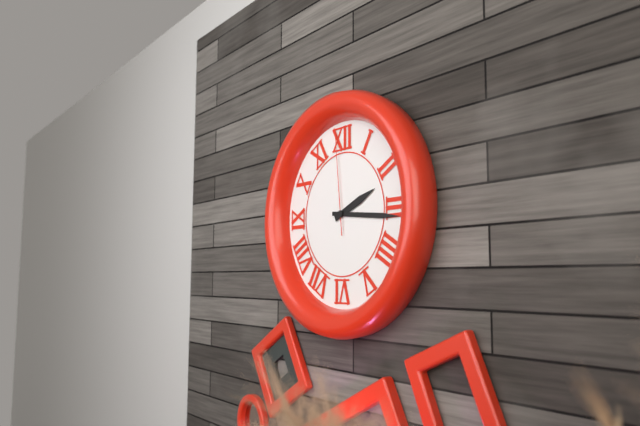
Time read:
2.16.59
